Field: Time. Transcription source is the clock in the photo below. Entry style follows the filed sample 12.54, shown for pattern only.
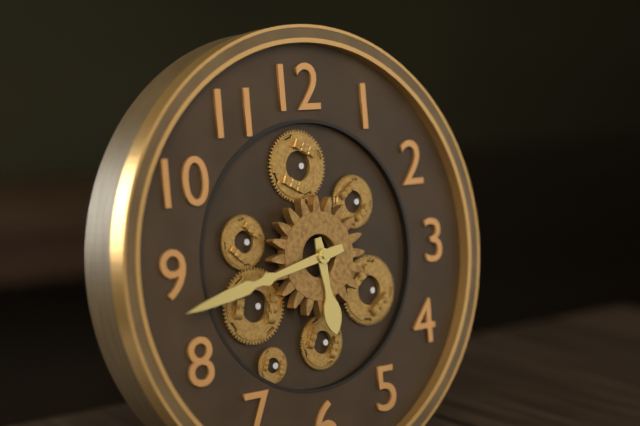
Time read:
5.43
